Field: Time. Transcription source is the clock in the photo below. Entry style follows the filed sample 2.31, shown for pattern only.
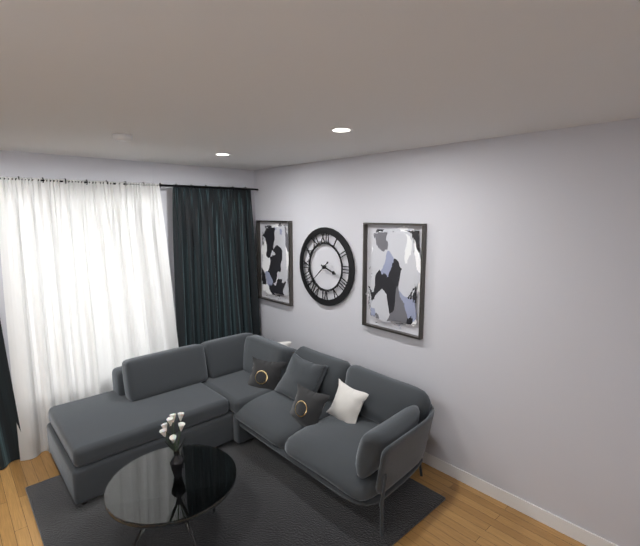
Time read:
3.38
